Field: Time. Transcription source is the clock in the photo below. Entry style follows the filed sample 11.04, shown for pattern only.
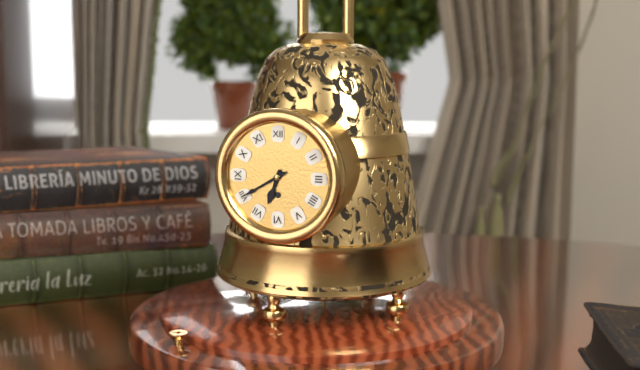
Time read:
6.40
